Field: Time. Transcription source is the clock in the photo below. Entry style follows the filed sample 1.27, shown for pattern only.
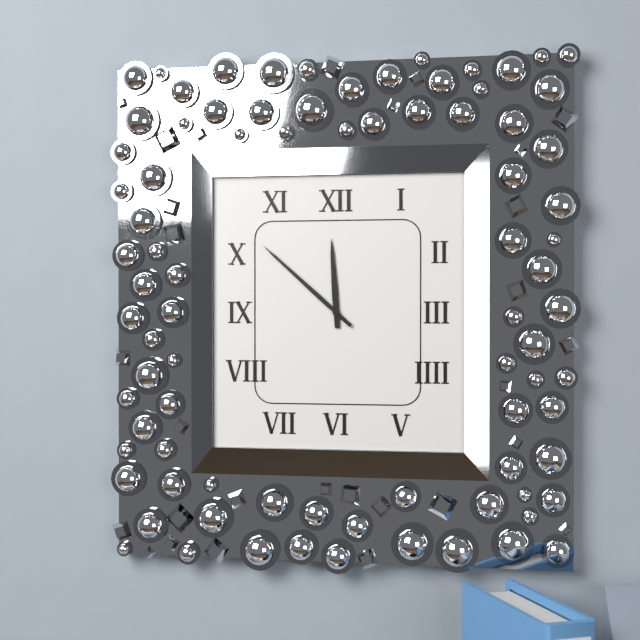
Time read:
11.52
